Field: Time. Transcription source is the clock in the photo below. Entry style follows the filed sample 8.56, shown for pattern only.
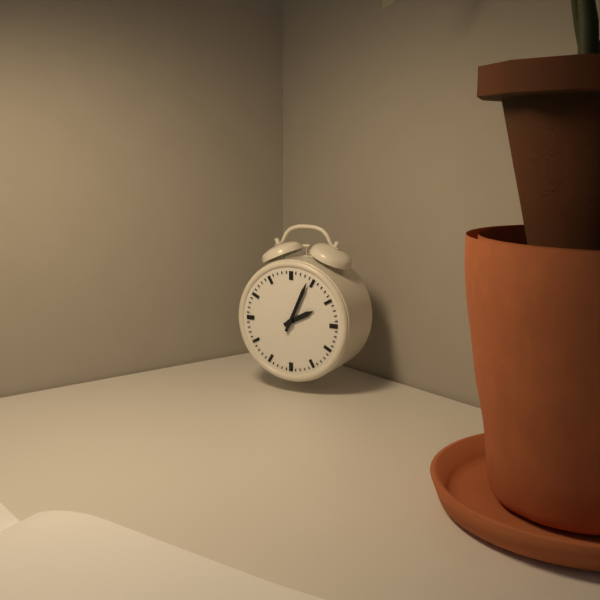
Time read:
2.04
